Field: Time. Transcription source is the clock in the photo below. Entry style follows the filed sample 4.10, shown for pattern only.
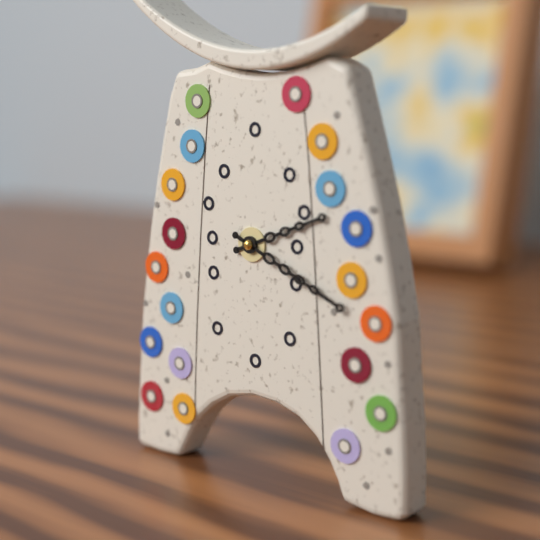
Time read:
2.19
